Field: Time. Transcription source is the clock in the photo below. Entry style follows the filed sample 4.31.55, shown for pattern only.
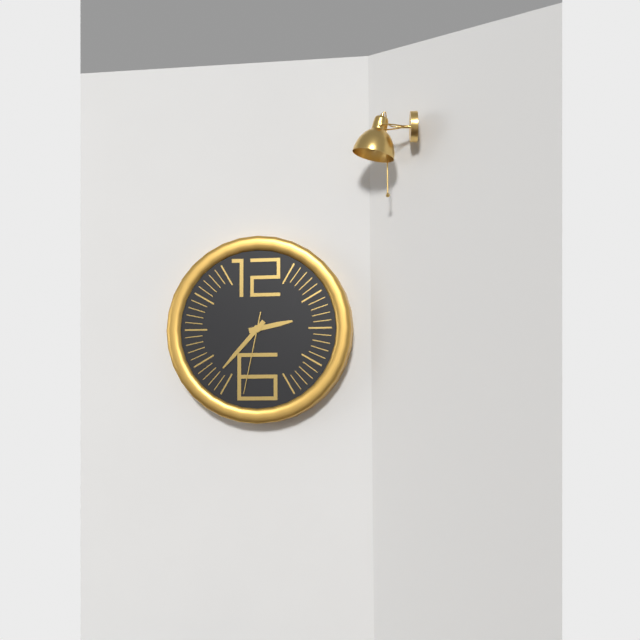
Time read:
2.37.32
